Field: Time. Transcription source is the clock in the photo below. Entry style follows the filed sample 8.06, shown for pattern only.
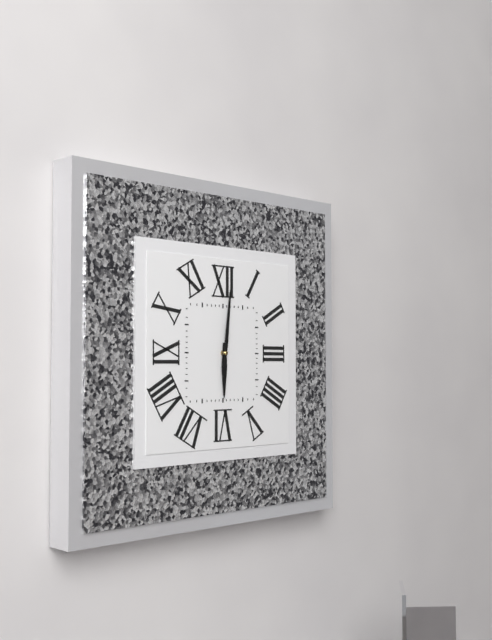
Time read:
6.01
